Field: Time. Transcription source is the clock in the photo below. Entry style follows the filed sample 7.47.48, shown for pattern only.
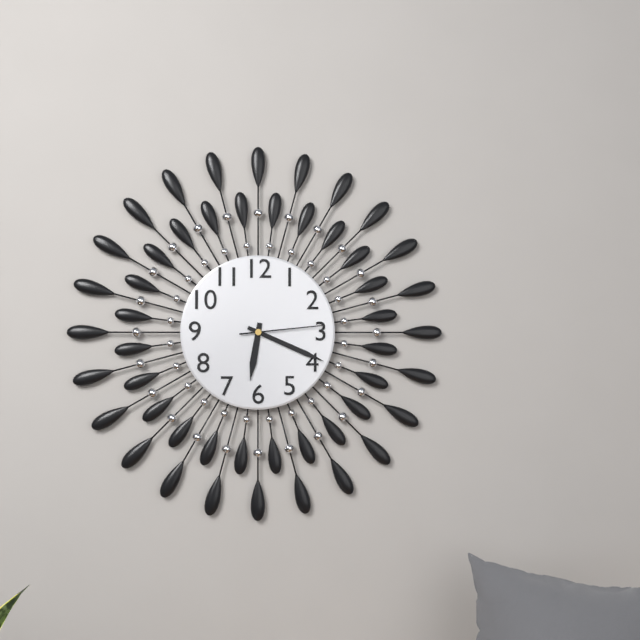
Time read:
6.19.14
